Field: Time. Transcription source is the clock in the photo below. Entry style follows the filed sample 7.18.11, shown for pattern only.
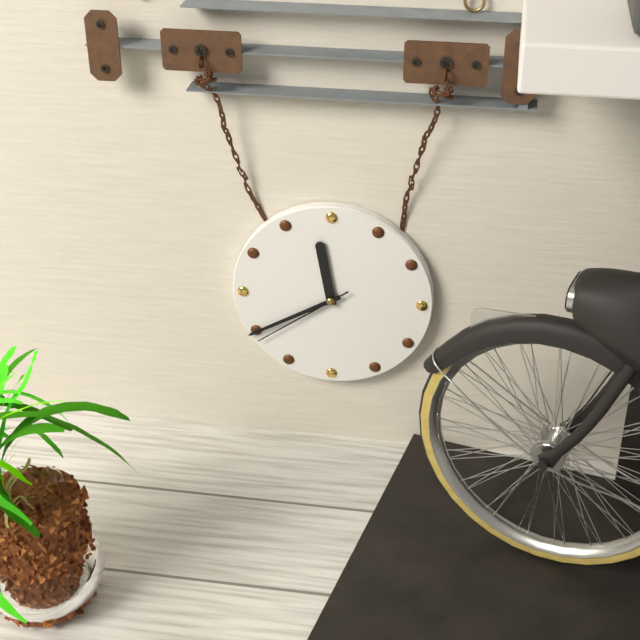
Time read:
11.40.39
